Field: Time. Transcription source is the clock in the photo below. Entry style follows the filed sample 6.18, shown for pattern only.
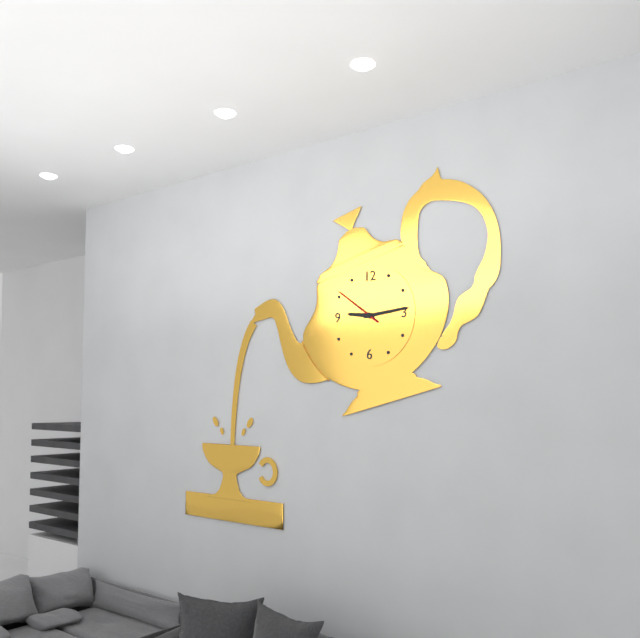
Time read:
9.14
